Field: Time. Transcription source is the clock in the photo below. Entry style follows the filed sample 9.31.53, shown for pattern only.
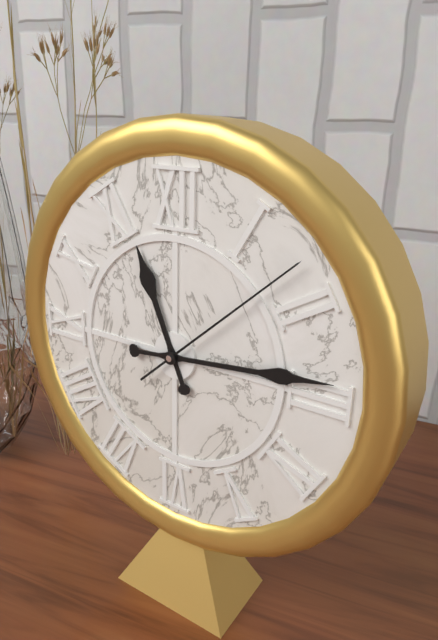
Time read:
11.14.08
